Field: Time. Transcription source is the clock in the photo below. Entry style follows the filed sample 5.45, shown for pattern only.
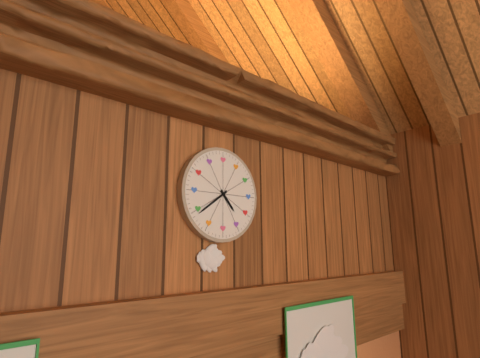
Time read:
4.39
